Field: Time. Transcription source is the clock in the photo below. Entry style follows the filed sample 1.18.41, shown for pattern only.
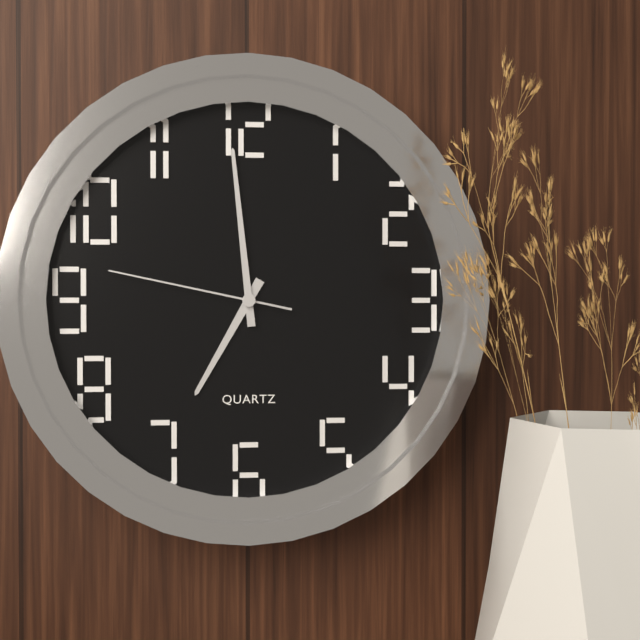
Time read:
6.59.47
